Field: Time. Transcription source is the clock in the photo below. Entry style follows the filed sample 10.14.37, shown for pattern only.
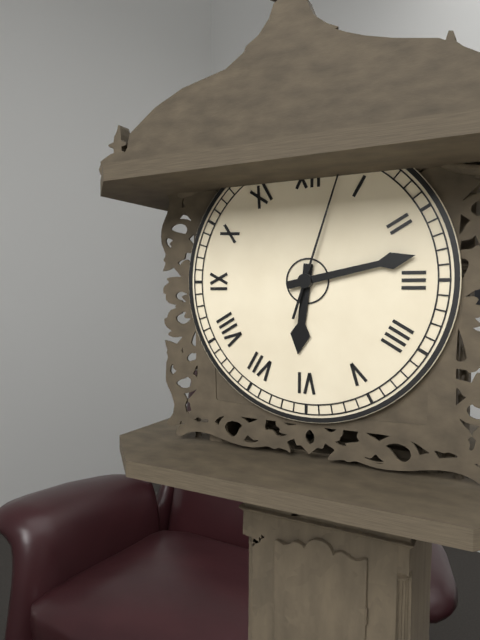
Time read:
6.13.03
